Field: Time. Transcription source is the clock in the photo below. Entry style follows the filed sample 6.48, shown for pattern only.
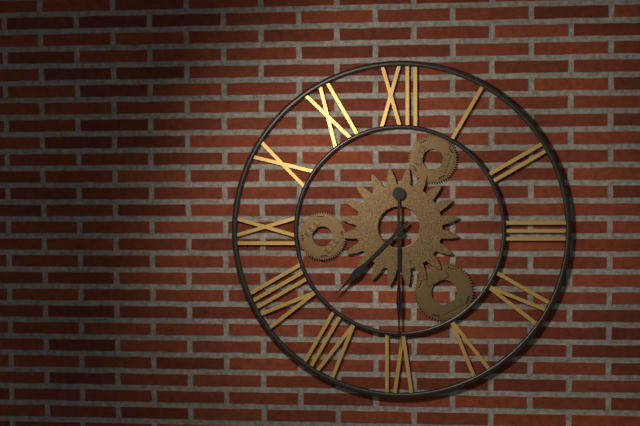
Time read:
7.30
